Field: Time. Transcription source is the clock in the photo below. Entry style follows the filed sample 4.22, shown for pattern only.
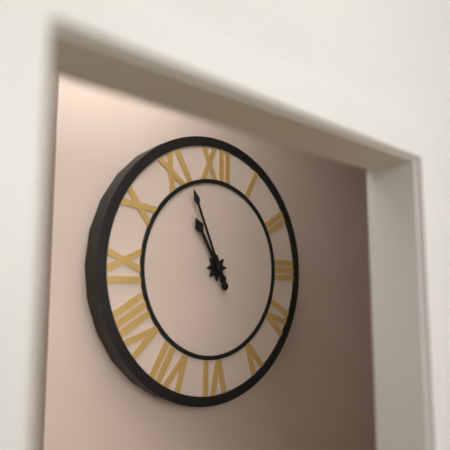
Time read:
10.56
